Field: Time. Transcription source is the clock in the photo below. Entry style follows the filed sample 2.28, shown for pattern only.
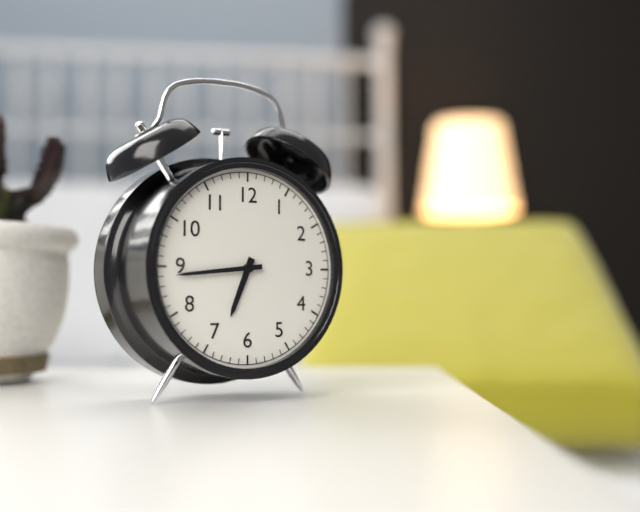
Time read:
6.44
